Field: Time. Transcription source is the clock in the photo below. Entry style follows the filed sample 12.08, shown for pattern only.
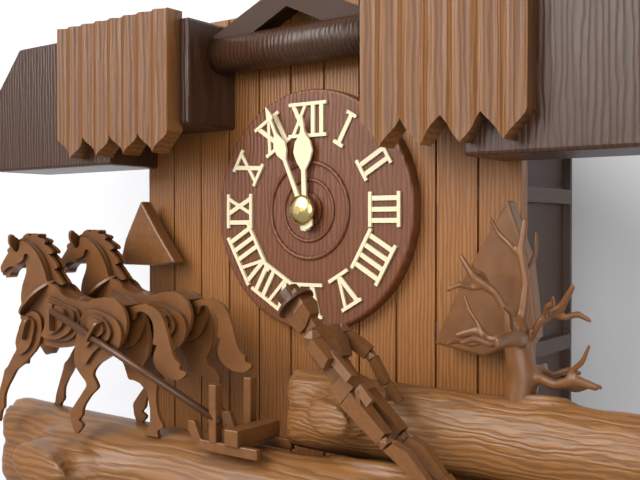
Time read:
11.56
